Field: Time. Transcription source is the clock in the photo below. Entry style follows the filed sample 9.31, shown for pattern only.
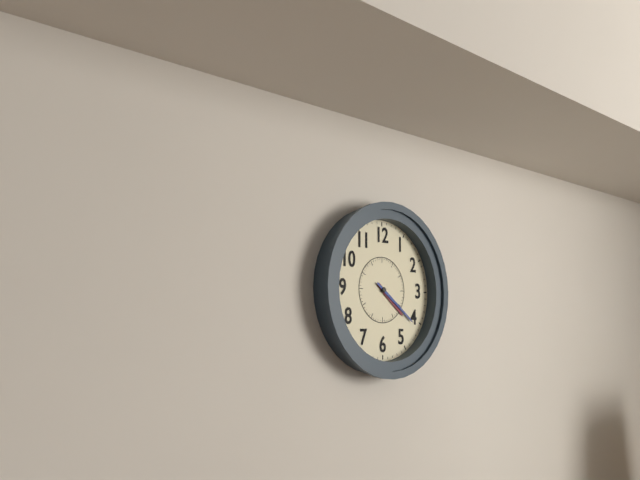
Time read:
4.21
